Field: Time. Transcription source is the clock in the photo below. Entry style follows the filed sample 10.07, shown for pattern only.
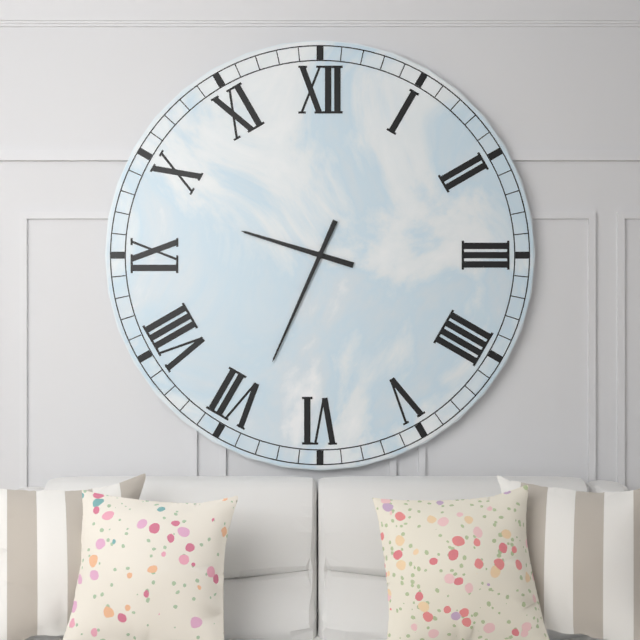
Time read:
9.34
